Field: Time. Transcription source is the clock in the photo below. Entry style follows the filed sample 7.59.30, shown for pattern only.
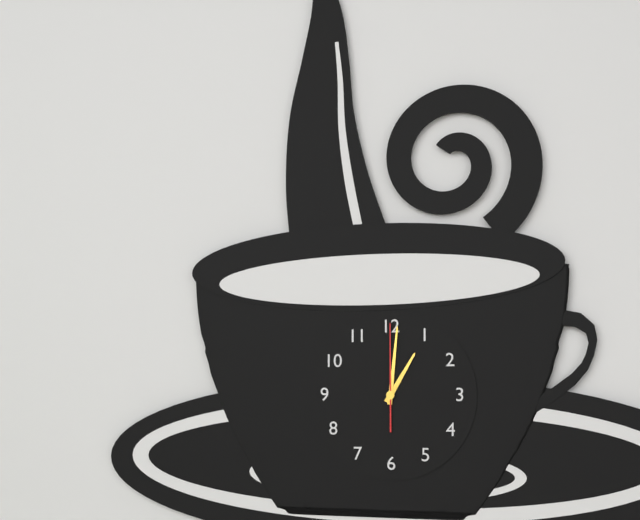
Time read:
1.01.00
